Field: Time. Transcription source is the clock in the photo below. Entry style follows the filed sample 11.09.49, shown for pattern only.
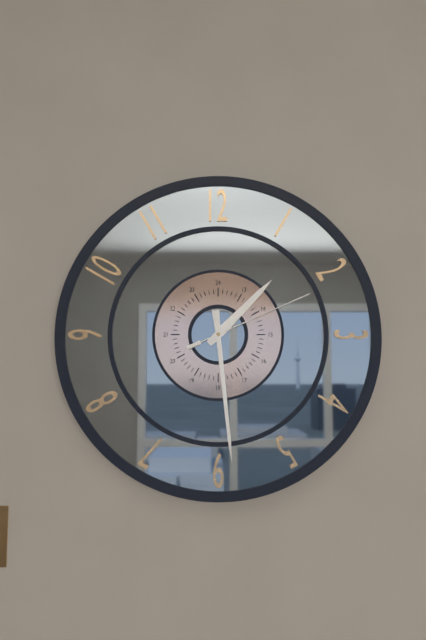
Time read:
1.29.11
